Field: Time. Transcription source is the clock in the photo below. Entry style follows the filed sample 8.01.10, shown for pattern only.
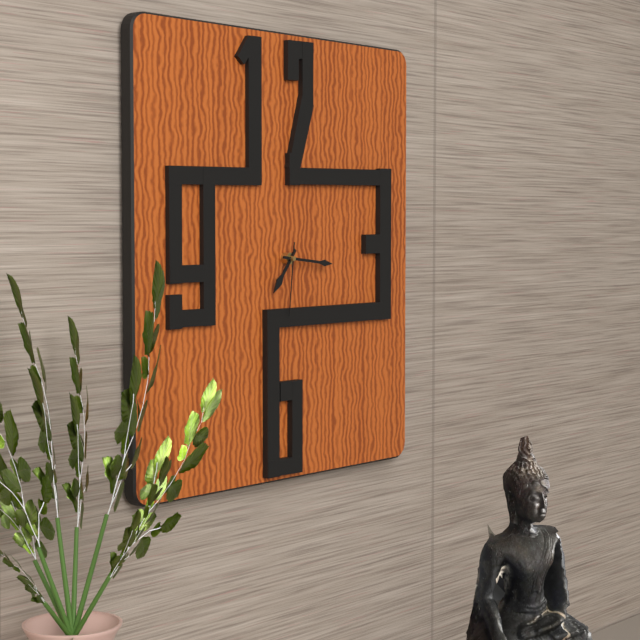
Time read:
7.16.31
